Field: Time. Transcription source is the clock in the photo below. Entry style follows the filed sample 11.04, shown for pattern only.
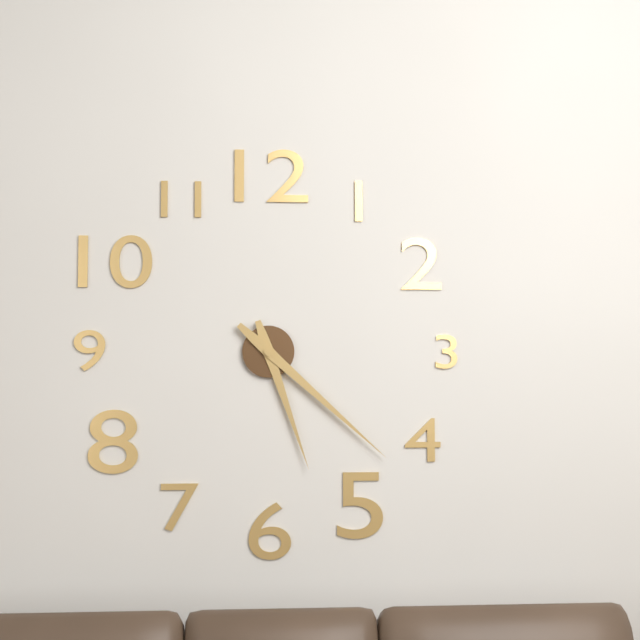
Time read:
5.22
